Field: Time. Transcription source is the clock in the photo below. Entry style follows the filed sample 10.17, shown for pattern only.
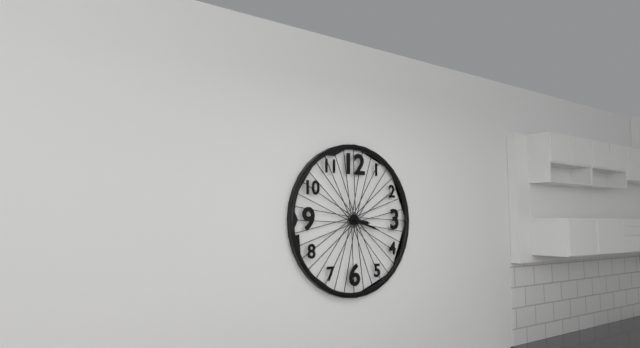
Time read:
3.18
